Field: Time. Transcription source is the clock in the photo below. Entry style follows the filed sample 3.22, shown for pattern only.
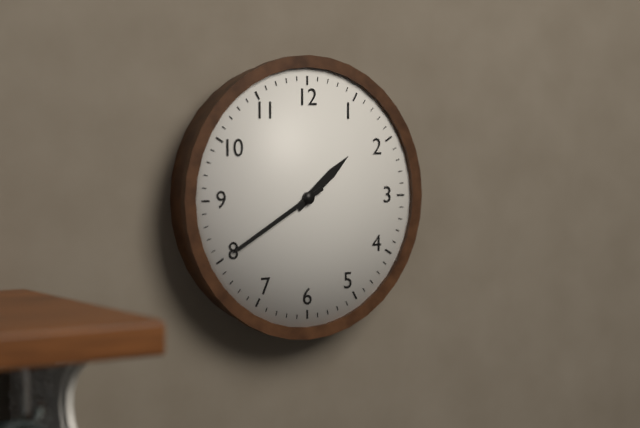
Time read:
1.40
